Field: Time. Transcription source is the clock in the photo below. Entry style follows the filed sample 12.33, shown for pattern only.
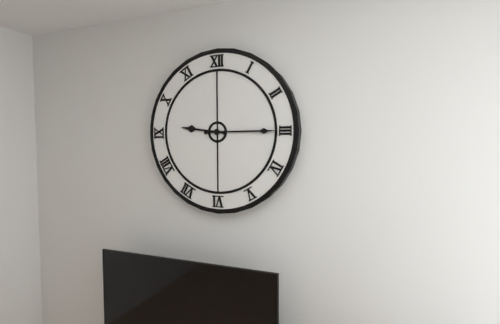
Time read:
9.15
